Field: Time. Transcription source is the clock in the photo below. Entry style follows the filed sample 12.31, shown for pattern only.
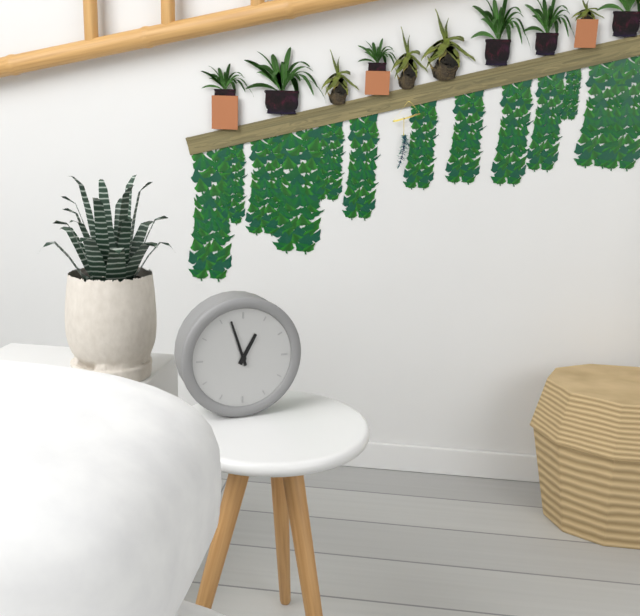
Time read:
12.57
